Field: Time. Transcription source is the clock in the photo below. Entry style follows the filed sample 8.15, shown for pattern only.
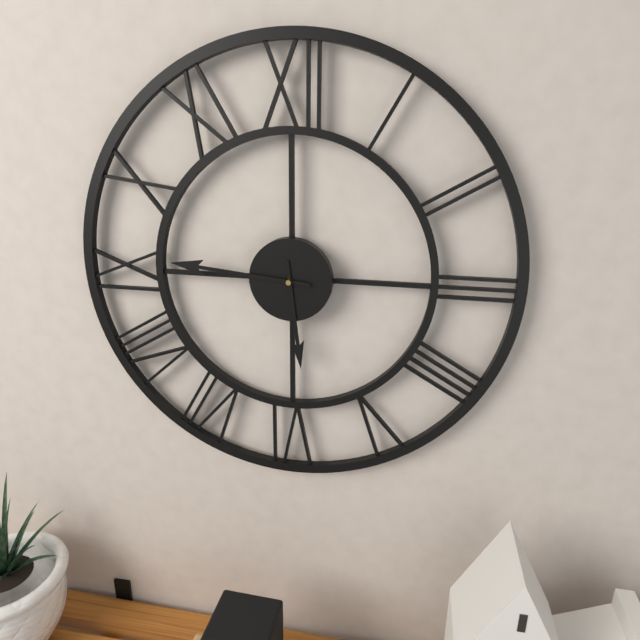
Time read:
5.46
